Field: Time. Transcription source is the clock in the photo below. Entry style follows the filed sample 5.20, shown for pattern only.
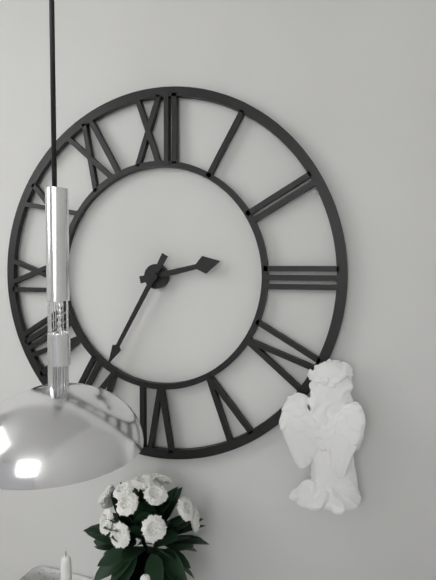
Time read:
2.35
